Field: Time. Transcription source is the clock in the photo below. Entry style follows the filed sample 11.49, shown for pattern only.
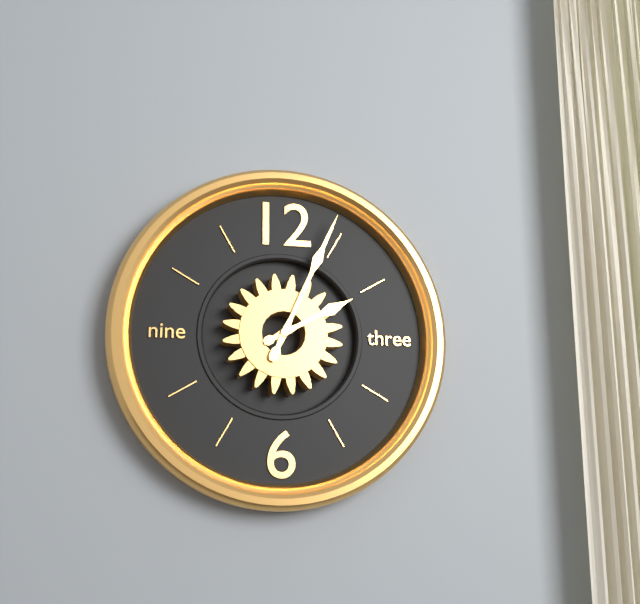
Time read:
2.04
